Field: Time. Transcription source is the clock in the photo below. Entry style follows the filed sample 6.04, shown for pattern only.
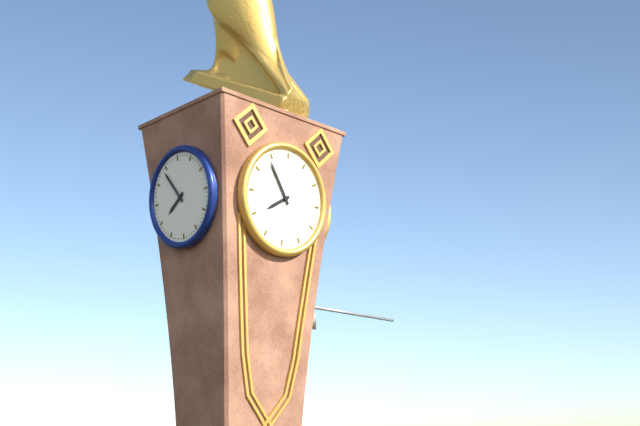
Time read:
7.54
